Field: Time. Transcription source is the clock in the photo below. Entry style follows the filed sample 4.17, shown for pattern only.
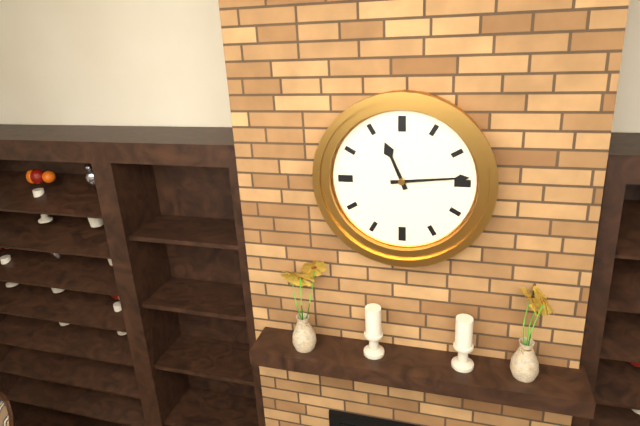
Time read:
11.14
